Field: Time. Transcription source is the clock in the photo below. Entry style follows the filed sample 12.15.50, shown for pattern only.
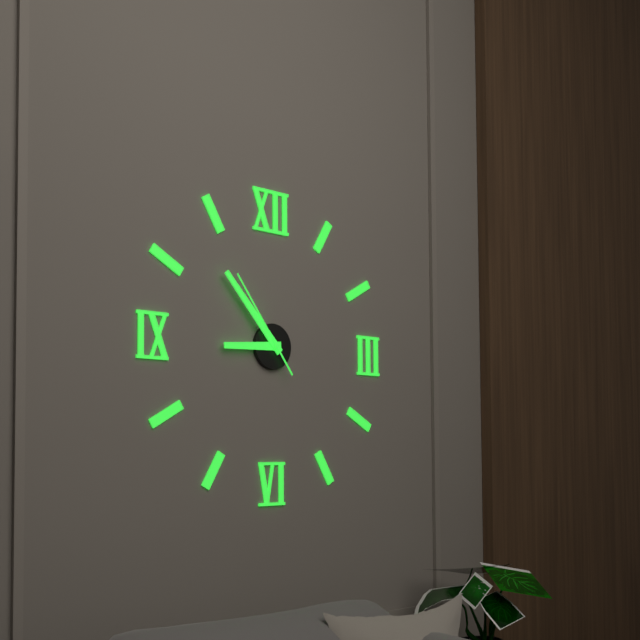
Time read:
8.53.54
